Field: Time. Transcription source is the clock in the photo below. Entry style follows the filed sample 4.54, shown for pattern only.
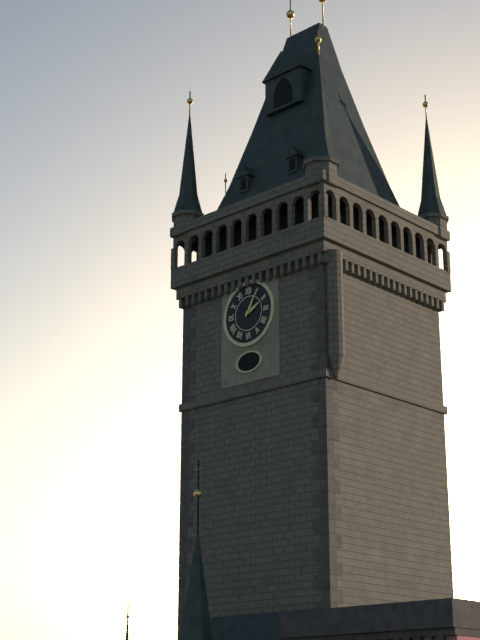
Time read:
2.05
